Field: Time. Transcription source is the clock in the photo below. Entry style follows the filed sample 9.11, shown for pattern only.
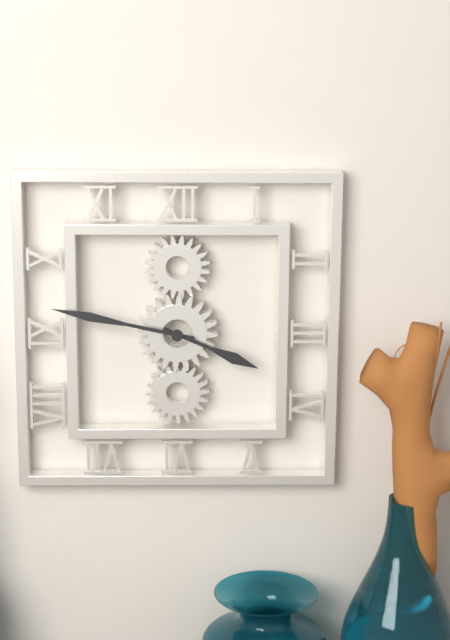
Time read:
3.47
